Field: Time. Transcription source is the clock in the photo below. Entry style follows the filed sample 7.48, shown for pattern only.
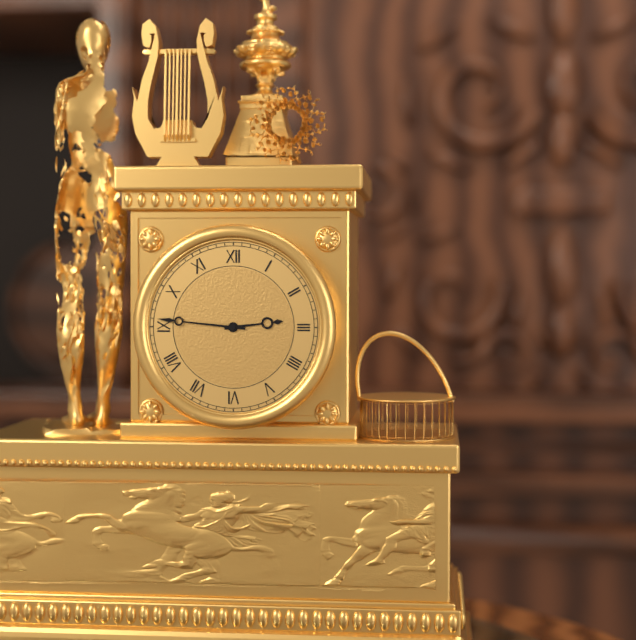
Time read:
2.46
